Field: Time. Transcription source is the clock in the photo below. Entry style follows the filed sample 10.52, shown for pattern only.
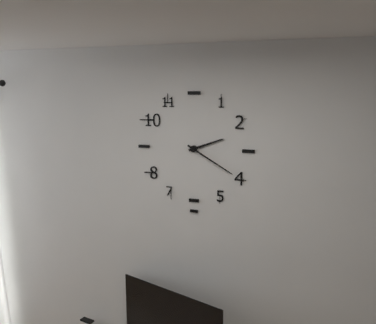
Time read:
2.20
